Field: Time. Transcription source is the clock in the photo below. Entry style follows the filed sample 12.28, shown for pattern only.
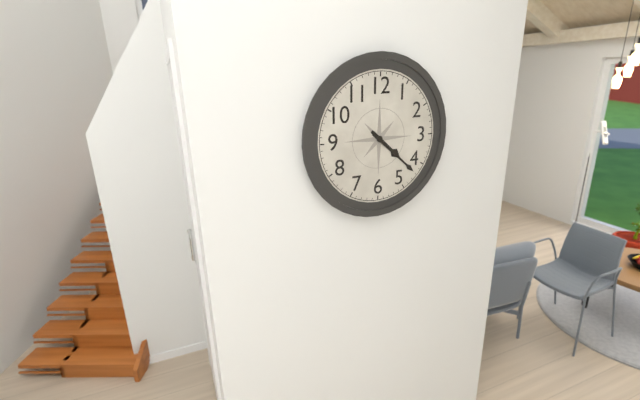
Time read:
4.22
